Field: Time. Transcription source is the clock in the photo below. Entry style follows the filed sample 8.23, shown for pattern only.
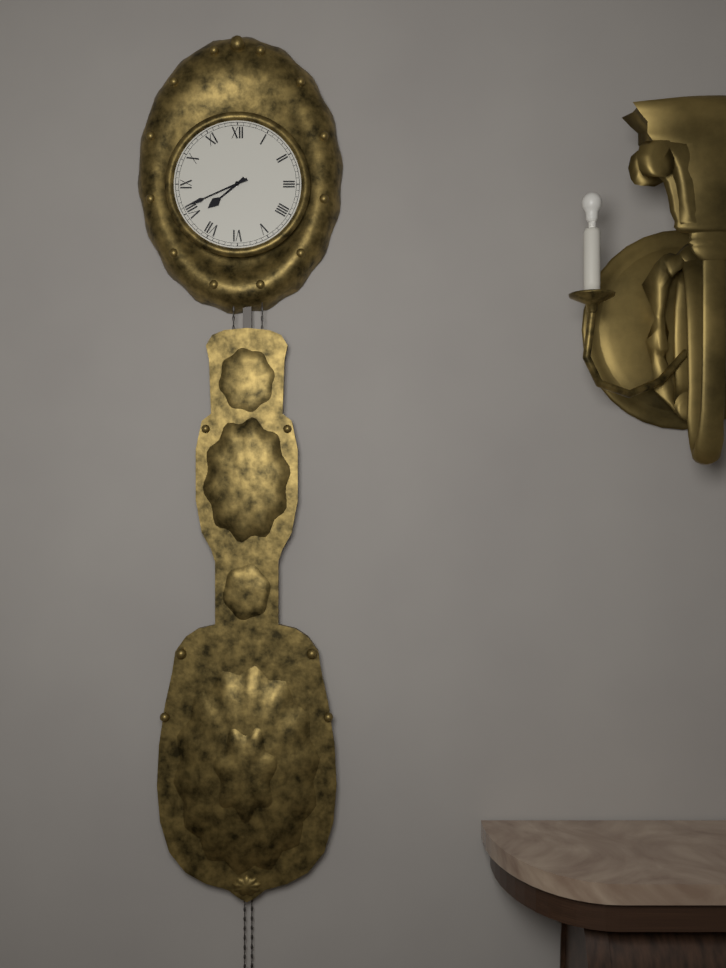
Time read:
7.41
